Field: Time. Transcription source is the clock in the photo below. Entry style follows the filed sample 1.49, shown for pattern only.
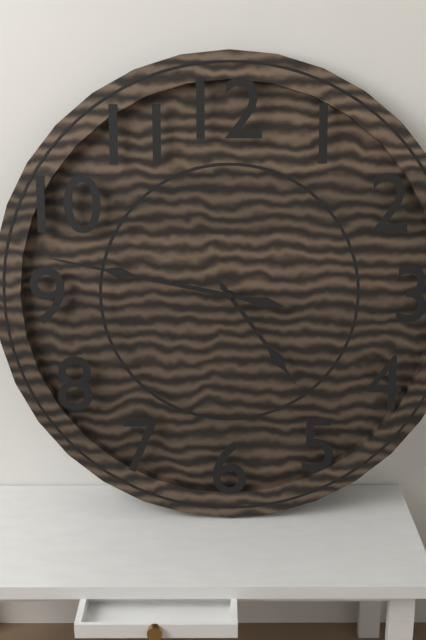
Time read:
4.47
